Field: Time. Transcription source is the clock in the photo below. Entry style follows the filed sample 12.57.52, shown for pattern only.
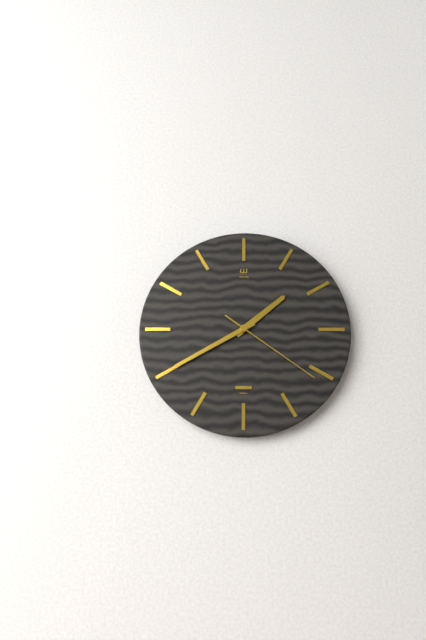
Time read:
1.40.21
